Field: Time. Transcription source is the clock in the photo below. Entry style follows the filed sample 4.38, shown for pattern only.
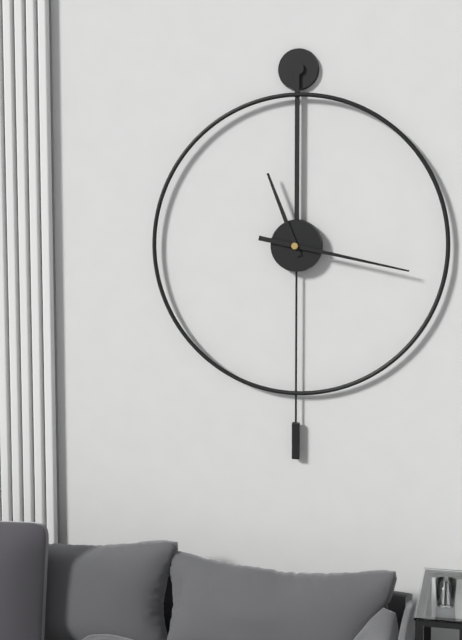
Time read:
11.17
